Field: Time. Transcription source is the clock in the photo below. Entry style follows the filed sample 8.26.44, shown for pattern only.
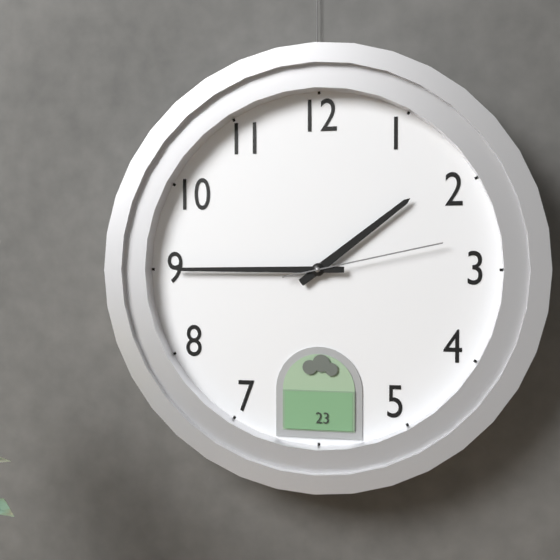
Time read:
1.45.13
